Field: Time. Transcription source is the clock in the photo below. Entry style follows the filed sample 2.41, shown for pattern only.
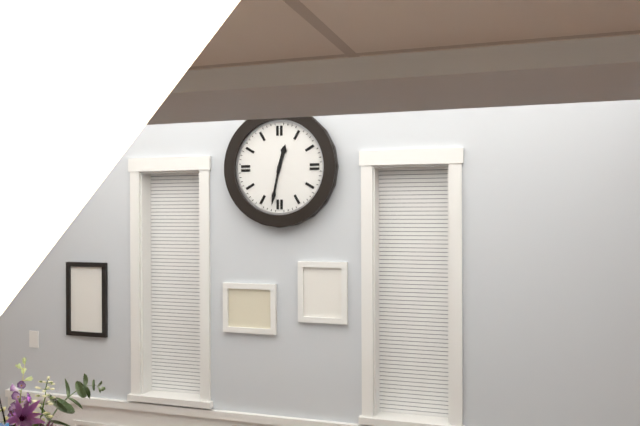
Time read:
12.32
